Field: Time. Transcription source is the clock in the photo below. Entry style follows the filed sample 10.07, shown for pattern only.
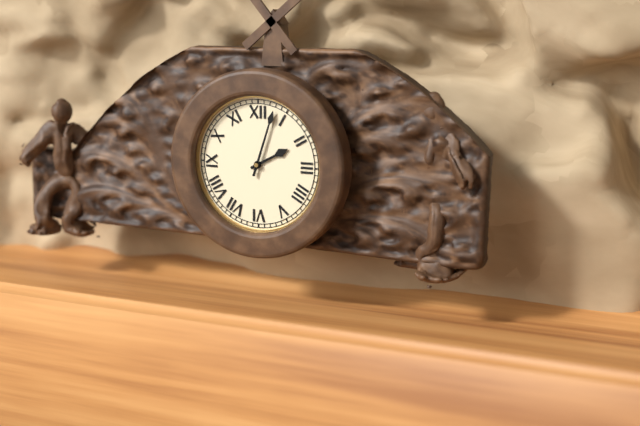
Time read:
2.03
